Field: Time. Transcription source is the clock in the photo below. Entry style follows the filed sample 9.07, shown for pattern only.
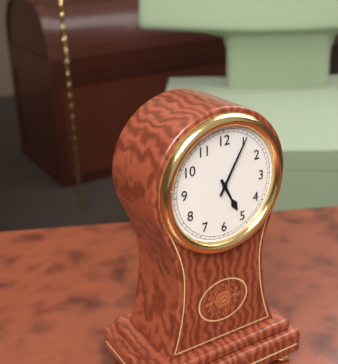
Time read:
5.05
